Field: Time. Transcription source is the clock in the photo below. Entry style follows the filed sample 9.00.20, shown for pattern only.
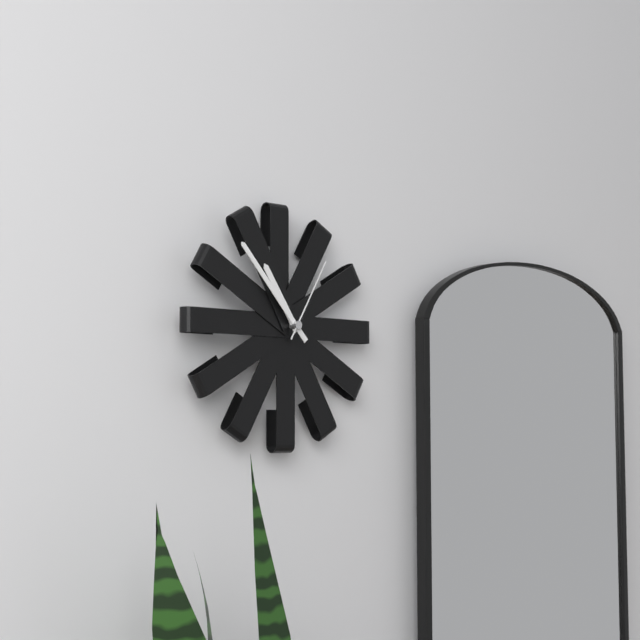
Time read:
10.53.05
